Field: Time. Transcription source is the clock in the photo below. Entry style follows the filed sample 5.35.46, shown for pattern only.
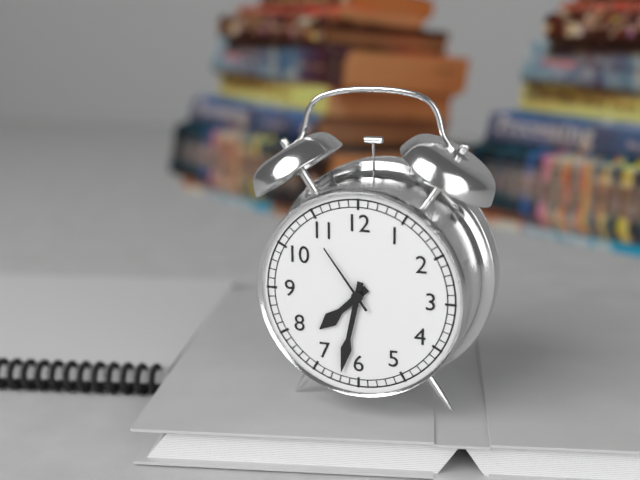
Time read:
7.32.54
